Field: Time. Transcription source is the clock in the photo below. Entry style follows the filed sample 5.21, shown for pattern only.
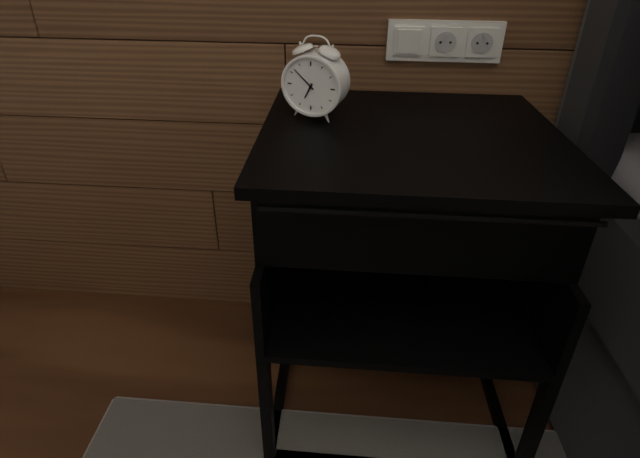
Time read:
6.52
